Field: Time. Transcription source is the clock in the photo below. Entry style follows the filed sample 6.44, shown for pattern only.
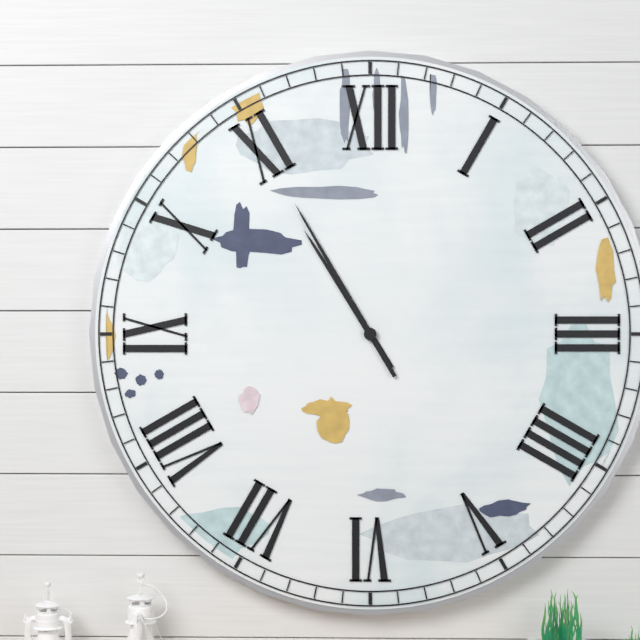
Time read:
10.55
